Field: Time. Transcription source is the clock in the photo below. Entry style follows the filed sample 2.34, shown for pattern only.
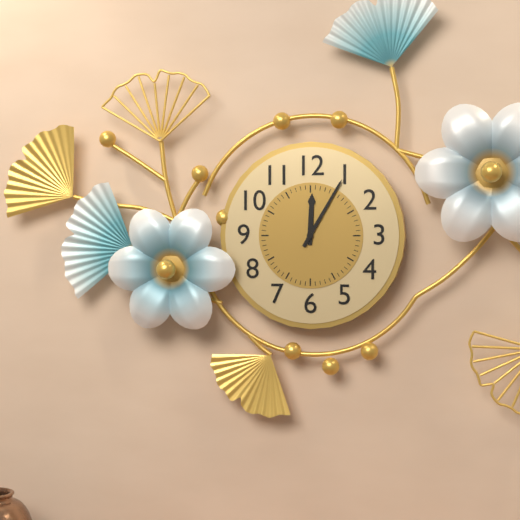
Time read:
12.05
